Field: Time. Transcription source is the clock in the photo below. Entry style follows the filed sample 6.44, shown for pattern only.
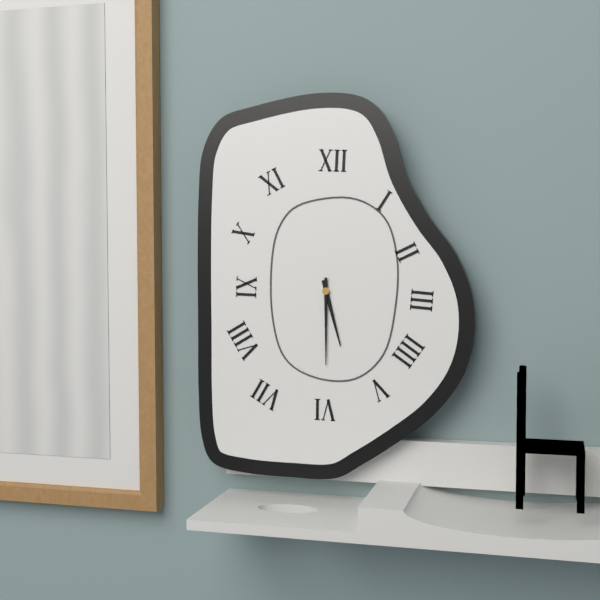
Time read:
5.30
